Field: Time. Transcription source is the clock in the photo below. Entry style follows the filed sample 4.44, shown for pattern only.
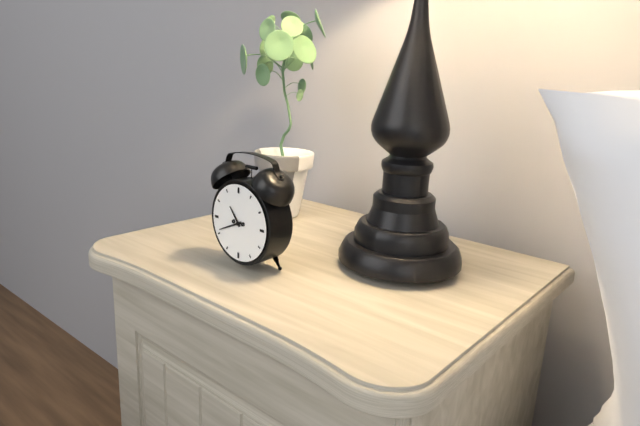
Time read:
10.41
